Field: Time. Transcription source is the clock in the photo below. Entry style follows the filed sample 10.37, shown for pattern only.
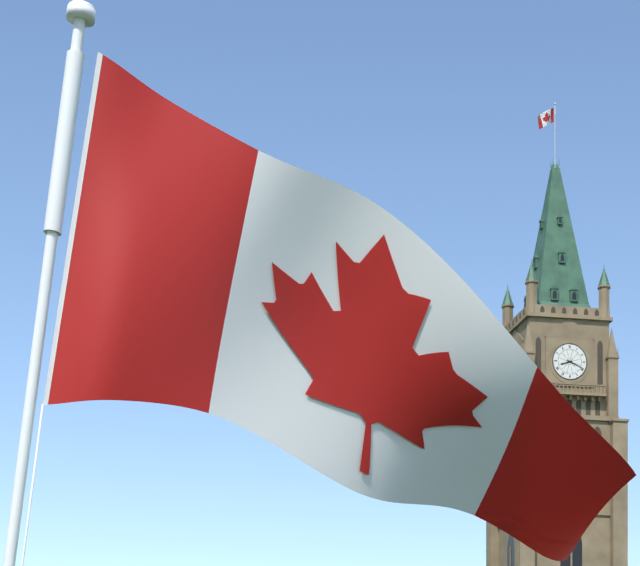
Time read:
8.19
